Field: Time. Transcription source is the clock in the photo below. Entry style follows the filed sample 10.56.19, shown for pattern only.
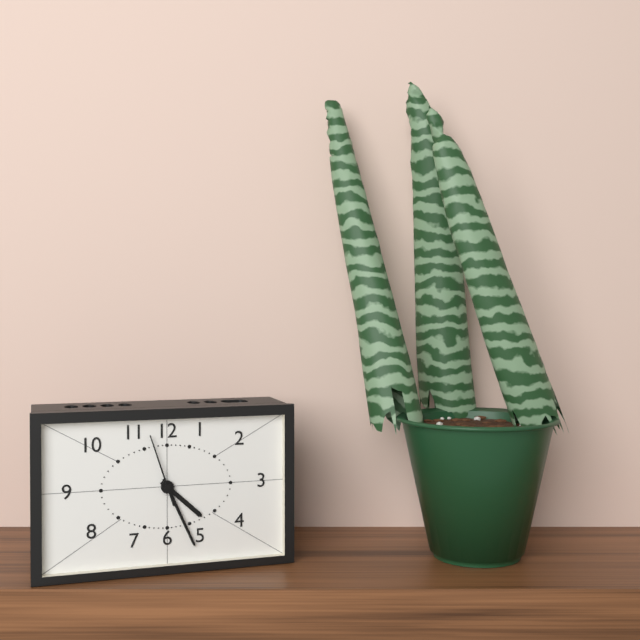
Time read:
4.26.57
